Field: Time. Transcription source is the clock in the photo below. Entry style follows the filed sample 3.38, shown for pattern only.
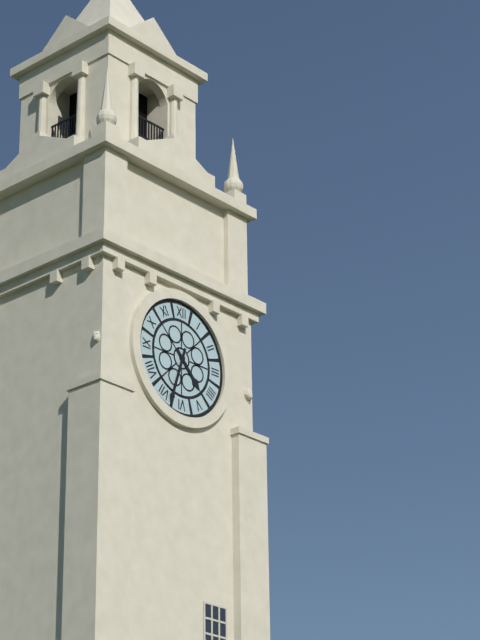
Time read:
4.33
